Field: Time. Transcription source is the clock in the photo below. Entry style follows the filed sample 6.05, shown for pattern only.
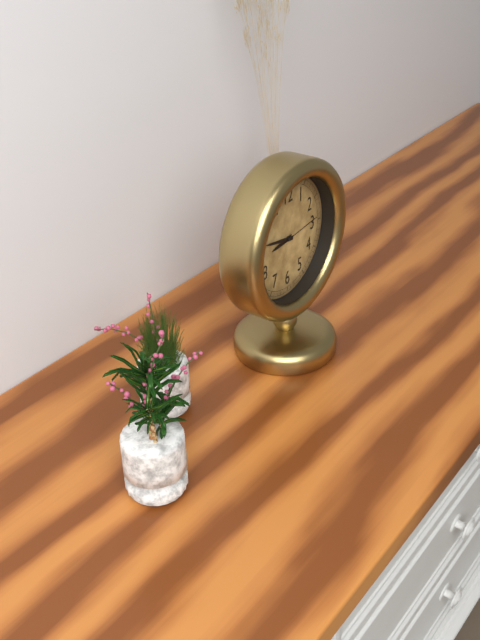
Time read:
8.47
